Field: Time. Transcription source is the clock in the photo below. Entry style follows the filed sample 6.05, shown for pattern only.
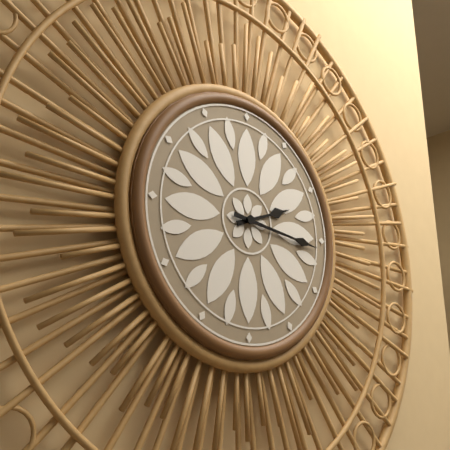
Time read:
2.16
